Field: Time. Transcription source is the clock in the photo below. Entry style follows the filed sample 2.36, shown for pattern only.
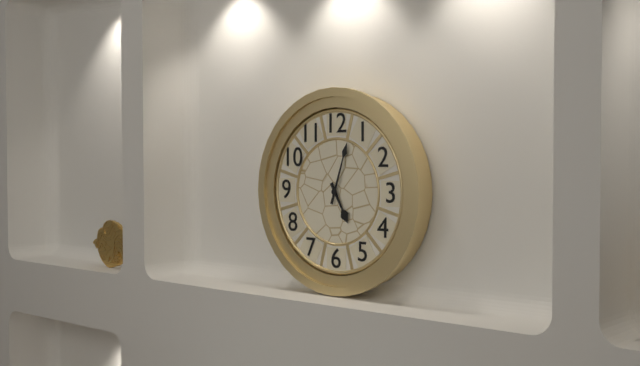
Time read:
5.03
